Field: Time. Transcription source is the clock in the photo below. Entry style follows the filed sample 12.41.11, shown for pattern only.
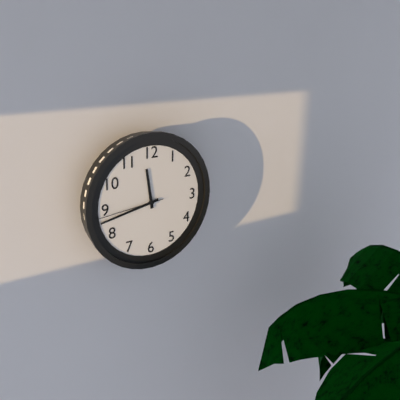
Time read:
11.43.44
